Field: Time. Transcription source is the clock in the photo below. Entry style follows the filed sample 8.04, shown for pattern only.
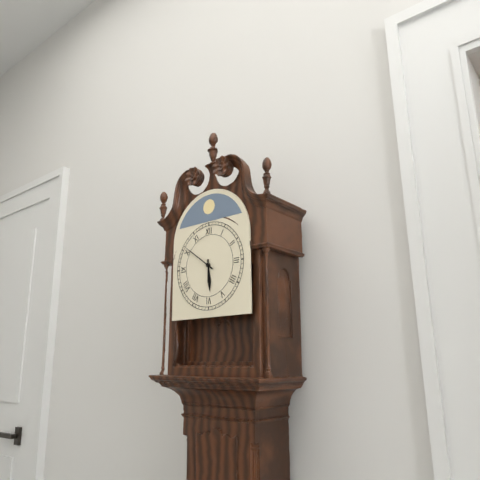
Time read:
5.51
